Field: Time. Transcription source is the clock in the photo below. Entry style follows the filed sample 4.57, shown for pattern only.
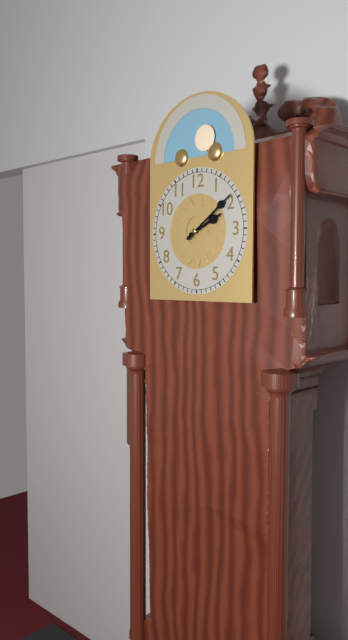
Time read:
2.09
